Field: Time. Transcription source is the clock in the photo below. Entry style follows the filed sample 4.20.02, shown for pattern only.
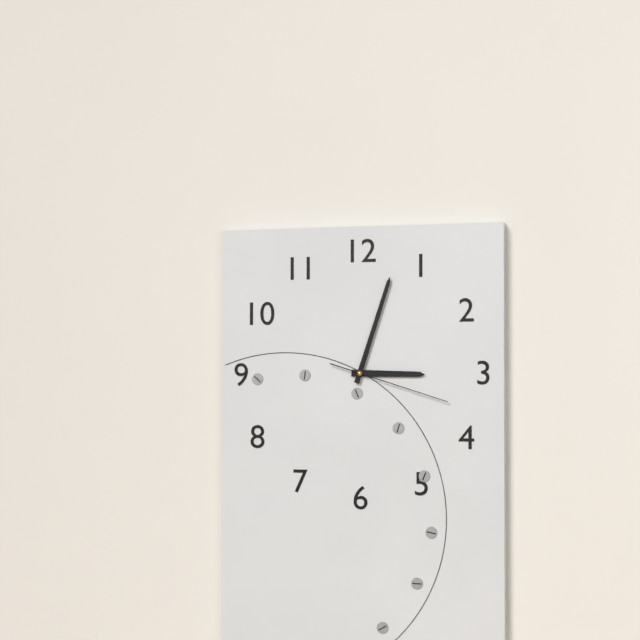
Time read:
3.03.18
